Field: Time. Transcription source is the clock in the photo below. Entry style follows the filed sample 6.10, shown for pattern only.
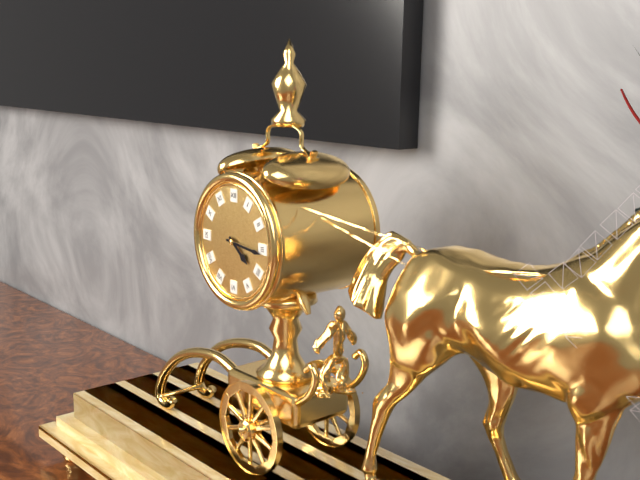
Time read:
4.16
